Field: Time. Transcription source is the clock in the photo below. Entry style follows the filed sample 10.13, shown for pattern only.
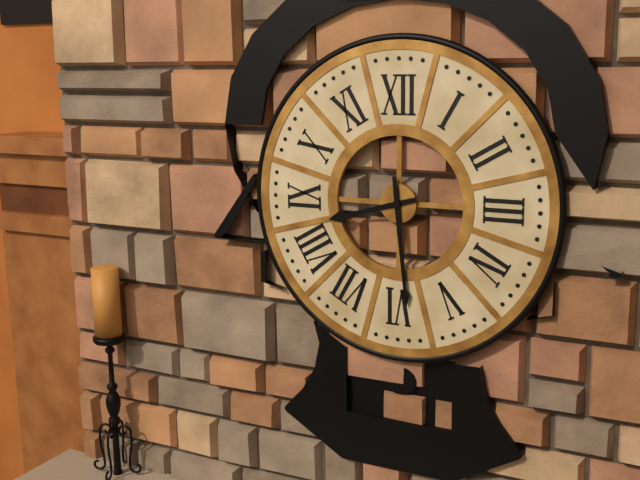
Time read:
8.29
